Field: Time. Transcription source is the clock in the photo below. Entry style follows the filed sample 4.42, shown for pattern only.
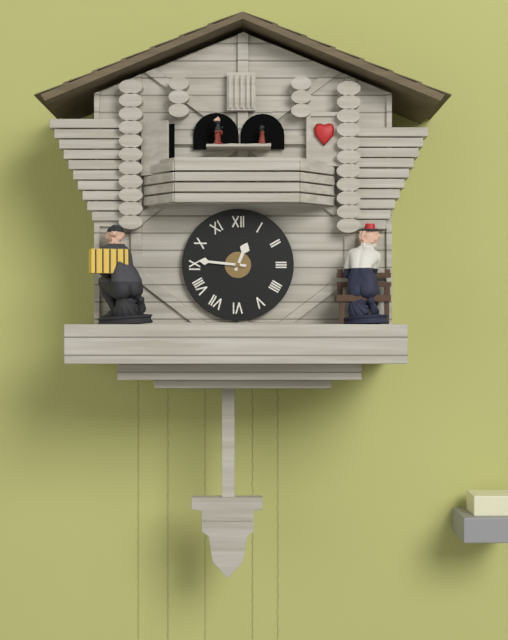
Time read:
12.46
